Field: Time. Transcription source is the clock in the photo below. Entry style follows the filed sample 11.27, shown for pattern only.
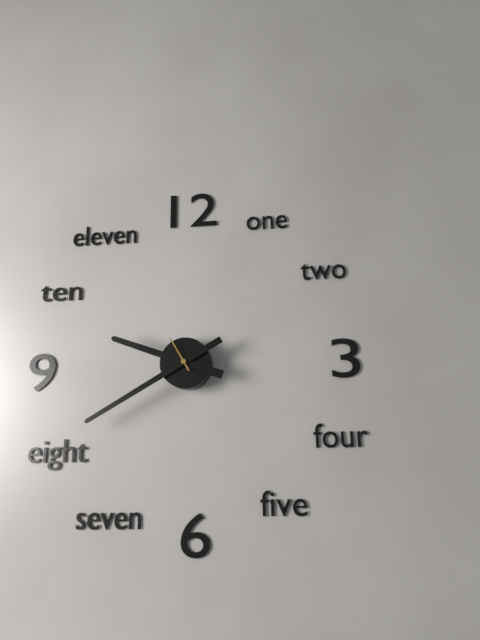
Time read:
9.40
